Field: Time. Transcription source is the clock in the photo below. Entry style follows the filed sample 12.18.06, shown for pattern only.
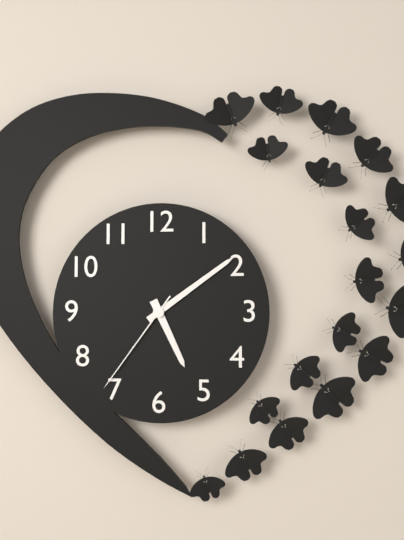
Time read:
5.09.36
